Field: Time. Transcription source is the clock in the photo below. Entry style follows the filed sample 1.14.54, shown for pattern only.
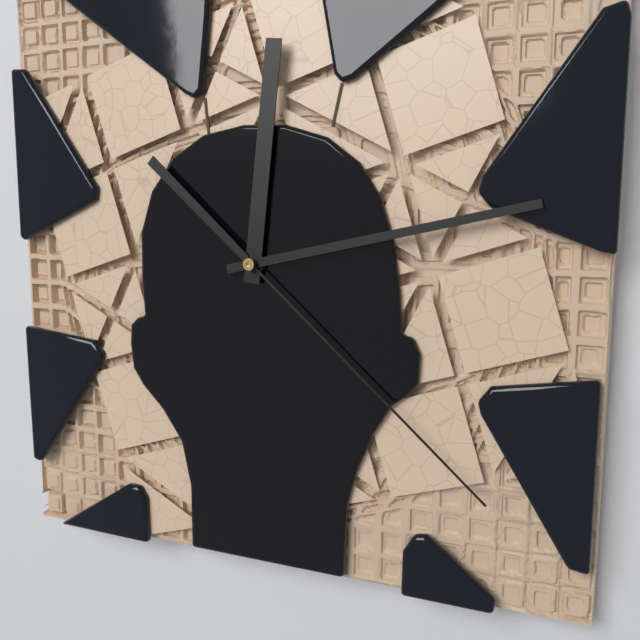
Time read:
12.13.22
